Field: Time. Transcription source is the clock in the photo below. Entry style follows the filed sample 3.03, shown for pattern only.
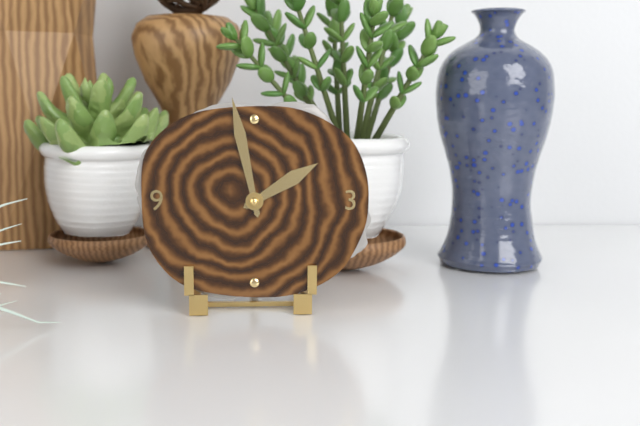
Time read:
1.58
